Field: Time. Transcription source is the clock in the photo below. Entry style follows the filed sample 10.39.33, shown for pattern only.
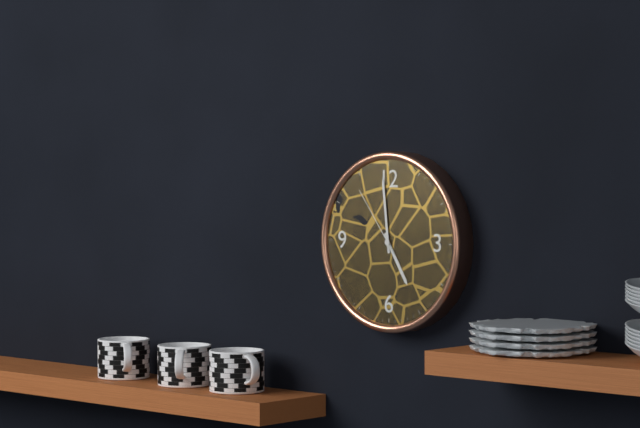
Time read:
4.59.54
